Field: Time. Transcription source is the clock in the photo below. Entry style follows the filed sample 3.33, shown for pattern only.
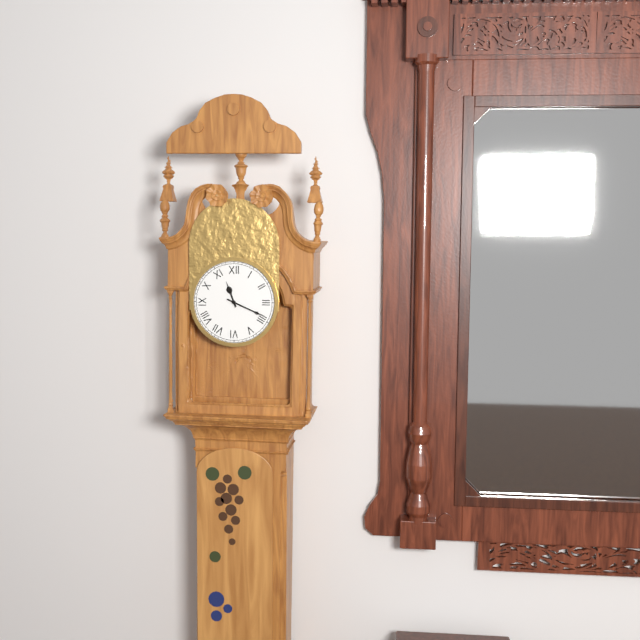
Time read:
11.19
